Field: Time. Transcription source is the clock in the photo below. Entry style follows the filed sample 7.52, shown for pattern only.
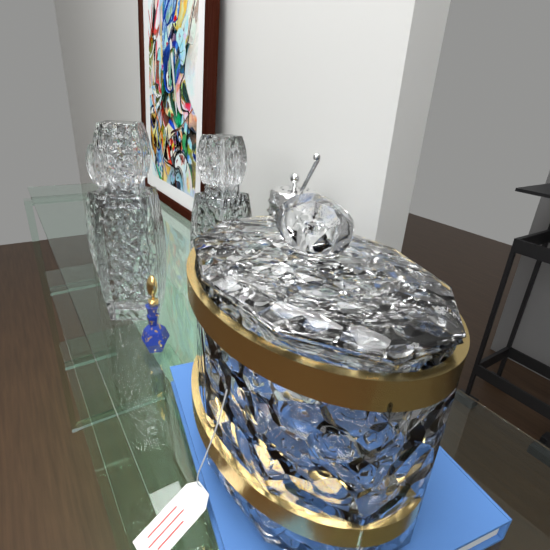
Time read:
2.55
